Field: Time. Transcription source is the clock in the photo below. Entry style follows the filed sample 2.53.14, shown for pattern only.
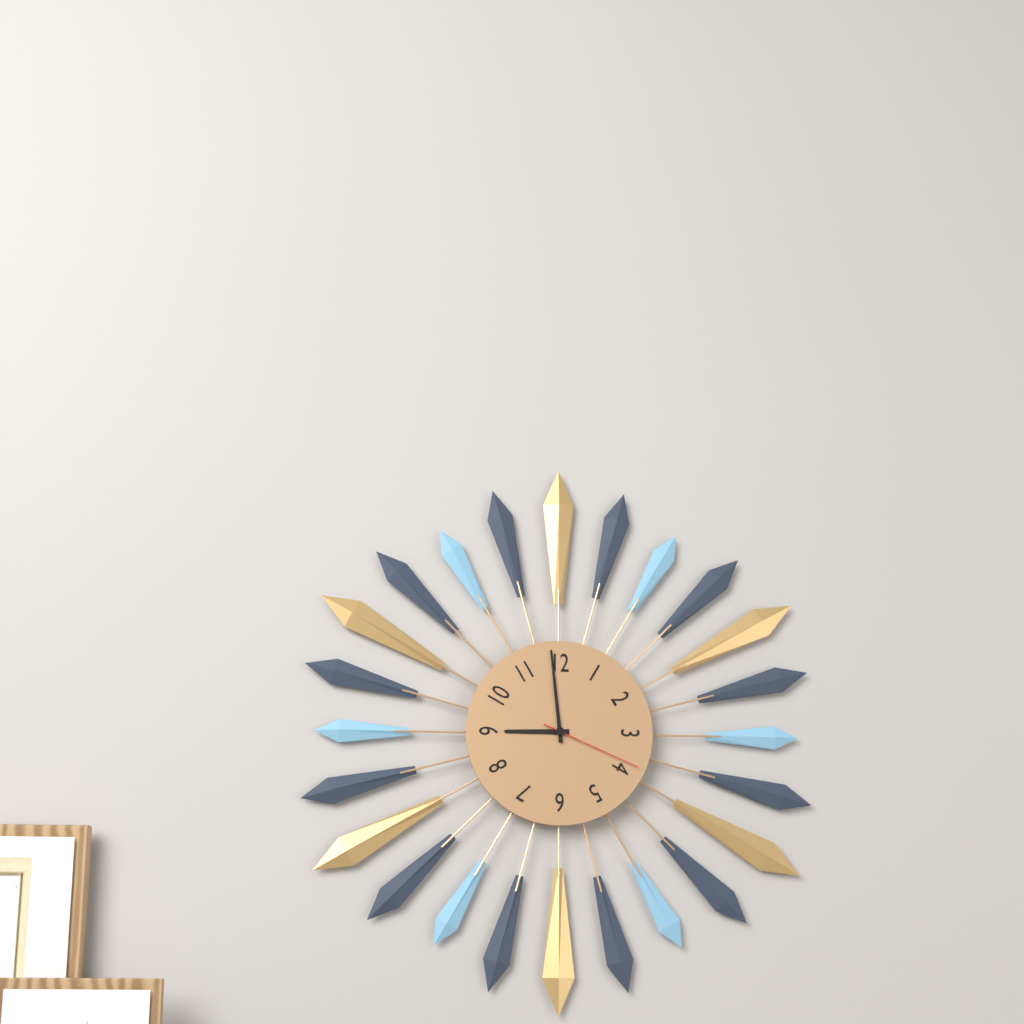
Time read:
8.59.19
